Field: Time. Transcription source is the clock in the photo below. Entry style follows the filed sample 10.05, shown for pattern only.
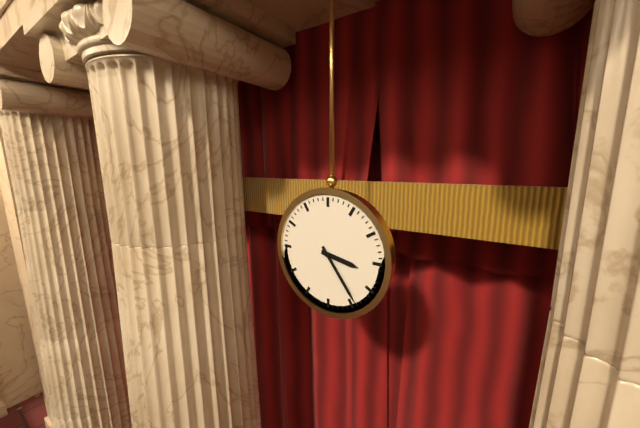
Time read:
3.24
